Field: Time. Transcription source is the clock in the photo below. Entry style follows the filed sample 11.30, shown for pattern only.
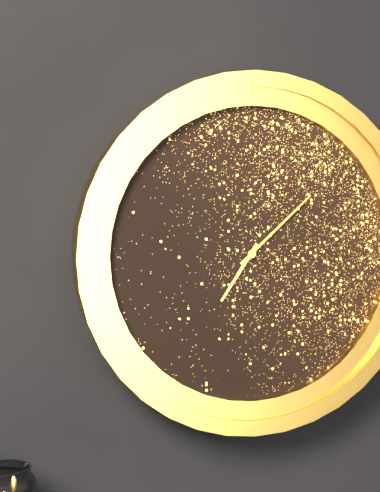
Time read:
7.08
